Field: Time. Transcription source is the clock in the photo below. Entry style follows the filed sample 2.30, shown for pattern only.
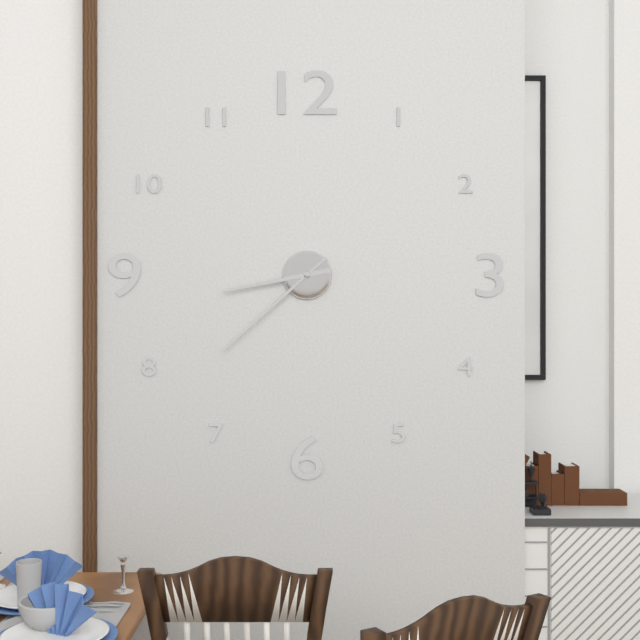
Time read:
8.38
